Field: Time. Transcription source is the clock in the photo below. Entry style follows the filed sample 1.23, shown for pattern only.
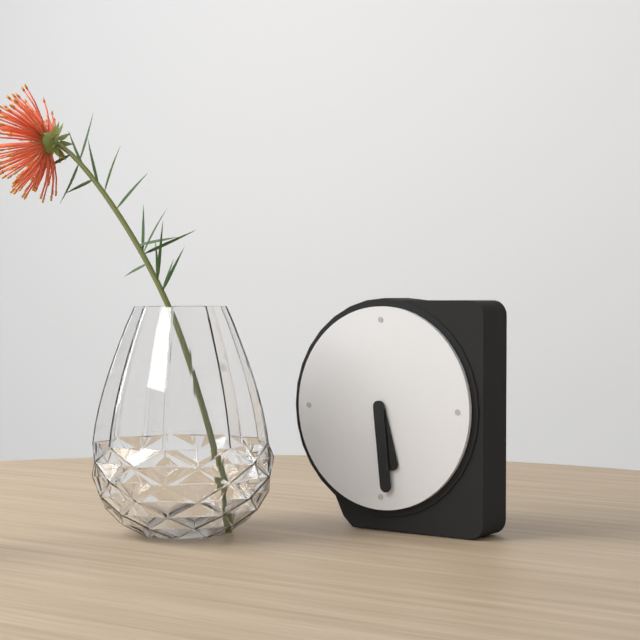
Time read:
5.29
